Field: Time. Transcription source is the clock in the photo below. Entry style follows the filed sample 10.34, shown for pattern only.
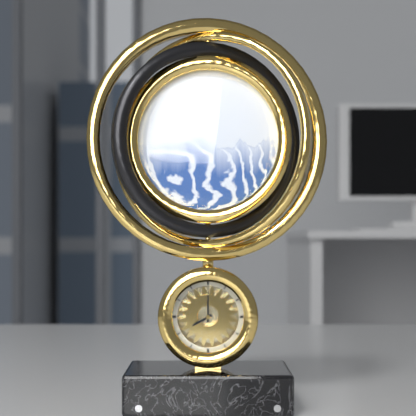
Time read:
8.00
